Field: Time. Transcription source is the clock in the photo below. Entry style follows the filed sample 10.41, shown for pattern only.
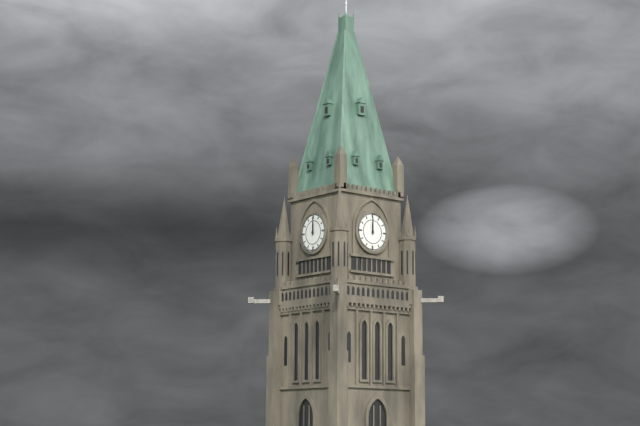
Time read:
12.00
